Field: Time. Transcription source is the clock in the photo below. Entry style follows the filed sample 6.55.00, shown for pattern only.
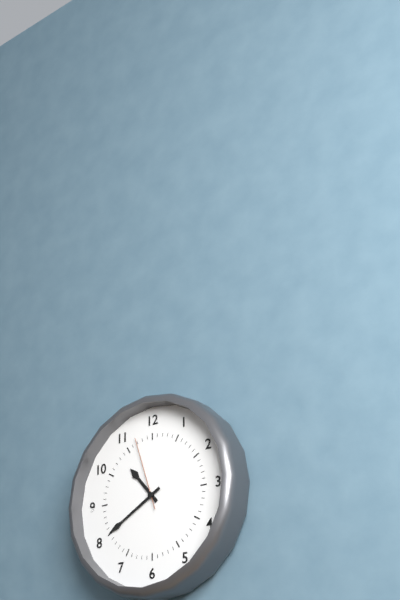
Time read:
10.40.57
